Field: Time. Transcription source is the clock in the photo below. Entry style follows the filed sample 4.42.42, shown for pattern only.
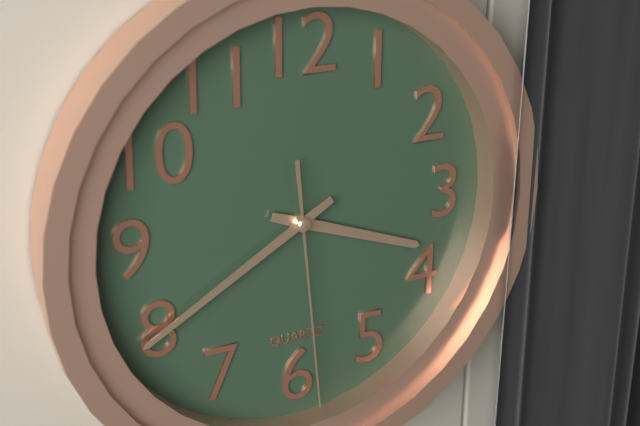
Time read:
3.40.29
